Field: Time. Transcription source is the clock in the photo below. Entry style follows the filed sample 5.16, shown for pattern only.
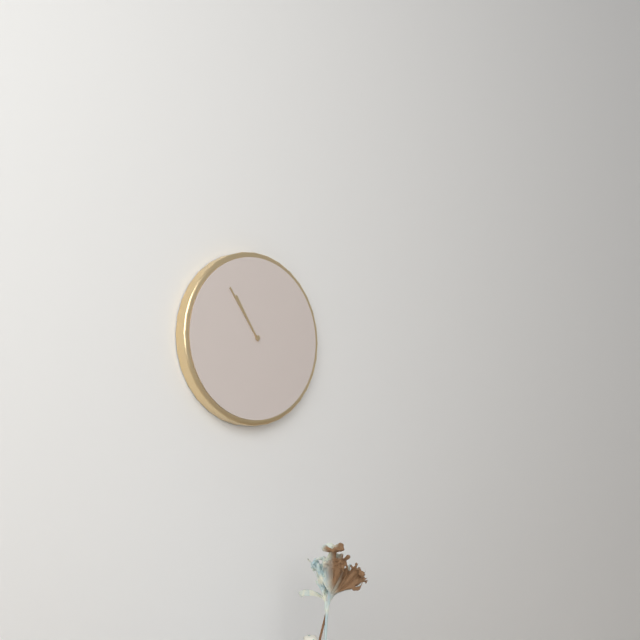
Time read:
10.54
